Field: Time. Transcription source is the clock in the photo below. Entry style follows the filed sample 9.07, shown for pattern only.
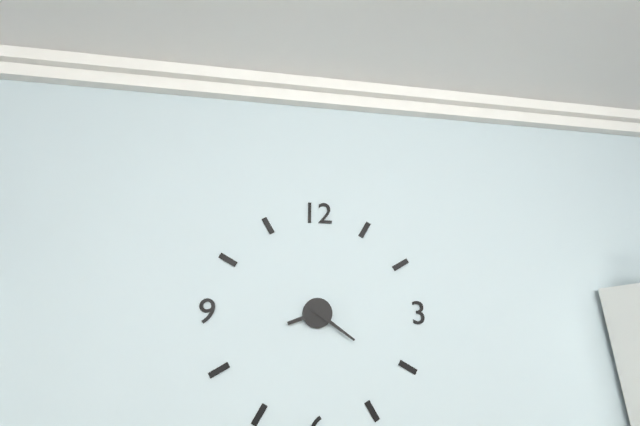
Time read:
8.21
